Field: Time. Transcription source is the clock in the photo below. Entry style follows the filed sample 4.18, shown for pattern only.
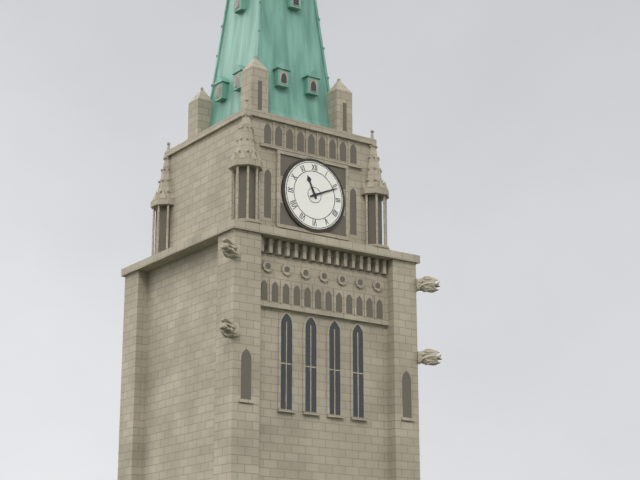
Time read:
11.11
